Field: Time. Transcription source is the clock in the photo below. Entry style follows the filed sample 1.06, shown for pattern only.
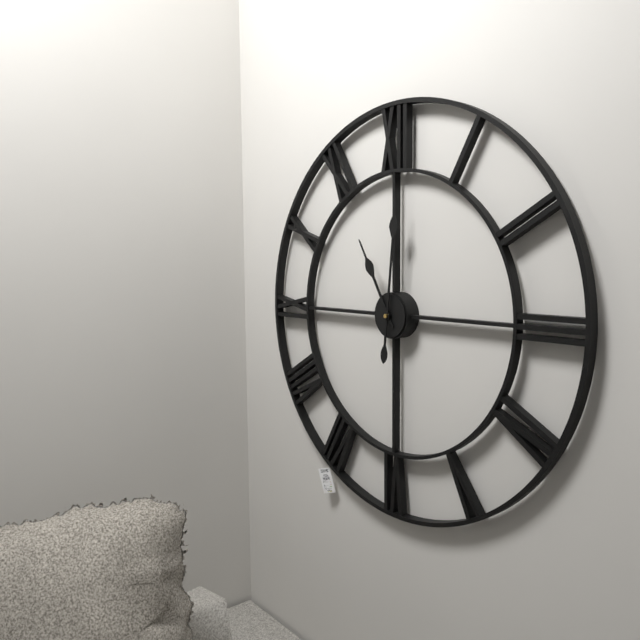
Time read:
11.01
